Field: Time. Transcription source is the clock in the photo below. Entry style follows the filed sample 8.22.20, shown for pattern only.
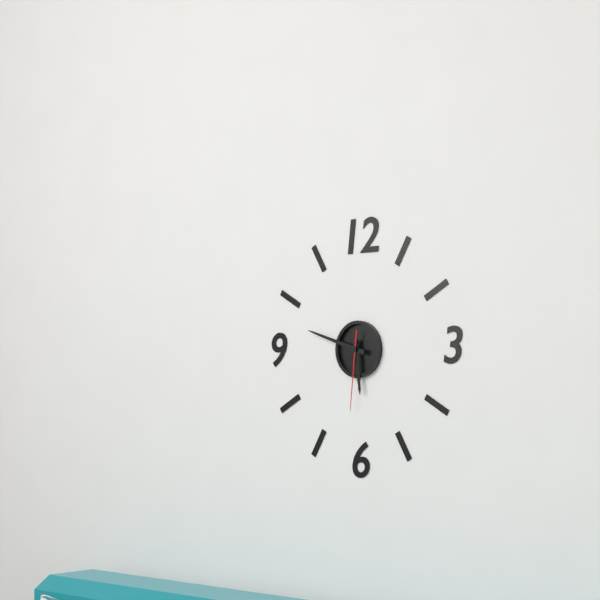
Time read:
5.48.31
